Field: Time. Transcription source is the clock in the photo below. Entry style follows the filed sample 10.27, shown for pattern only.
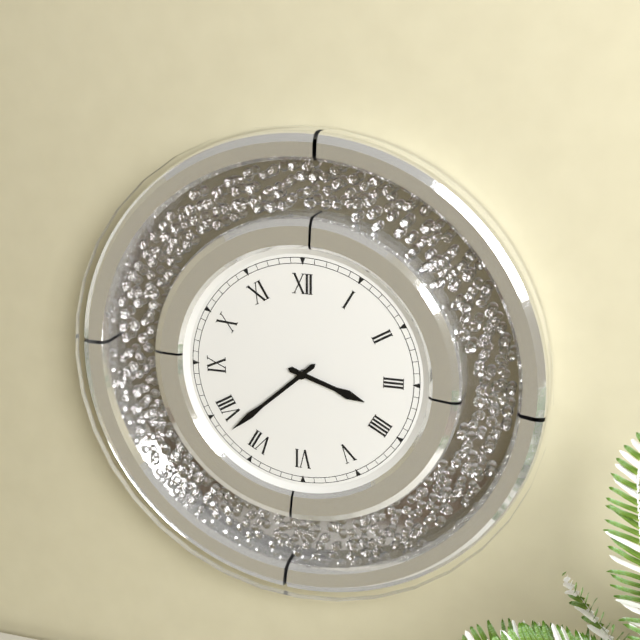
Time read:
3.38
